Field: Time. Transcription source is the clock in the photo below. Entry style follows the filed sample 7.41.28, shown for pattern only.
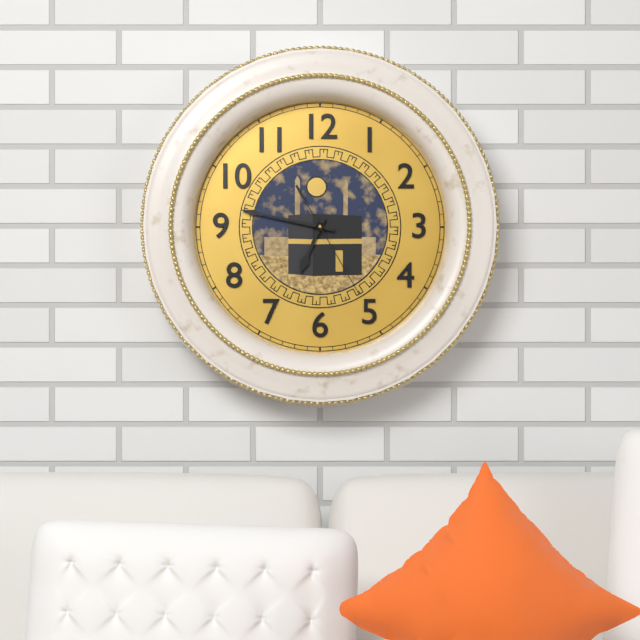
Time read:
6.47.25
